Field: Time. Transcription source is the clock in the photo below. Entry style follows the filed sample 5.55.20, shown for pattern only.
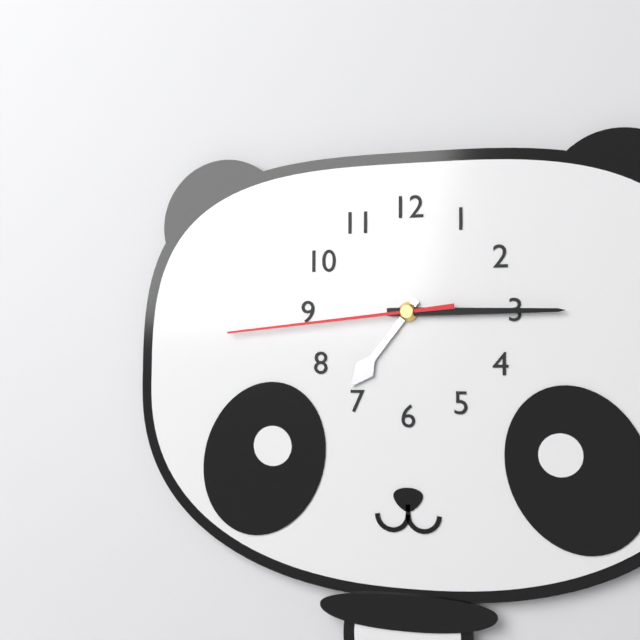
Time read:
7.15.44
